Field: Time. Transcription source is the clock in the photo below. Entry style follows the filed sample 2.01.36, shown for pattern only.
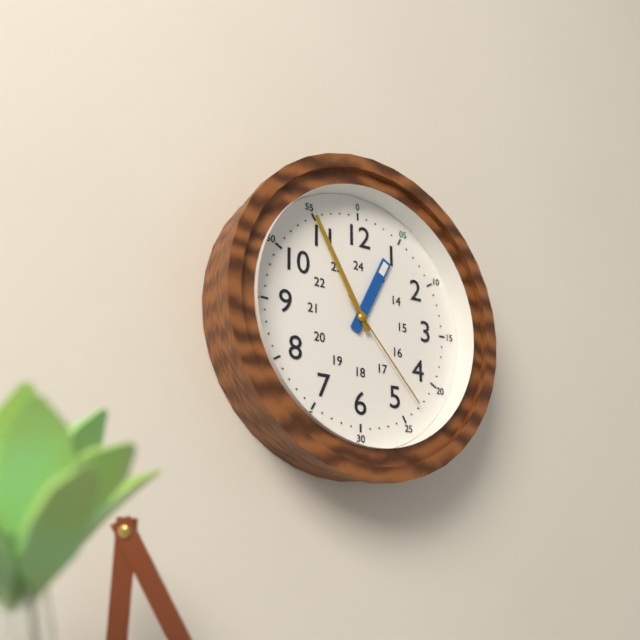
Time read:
12.55.23
